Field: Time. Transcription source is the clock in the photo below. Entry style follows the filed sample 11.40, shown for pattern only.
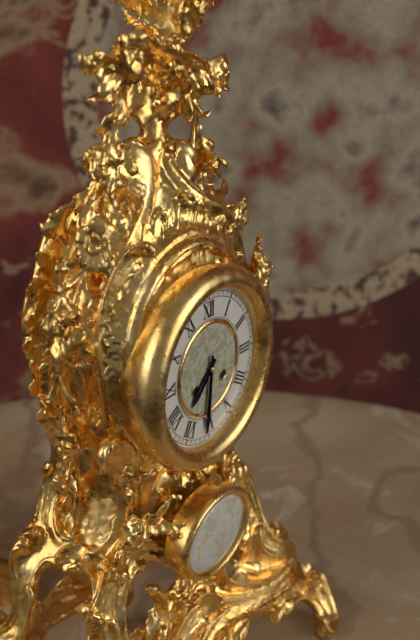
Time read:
7.31
